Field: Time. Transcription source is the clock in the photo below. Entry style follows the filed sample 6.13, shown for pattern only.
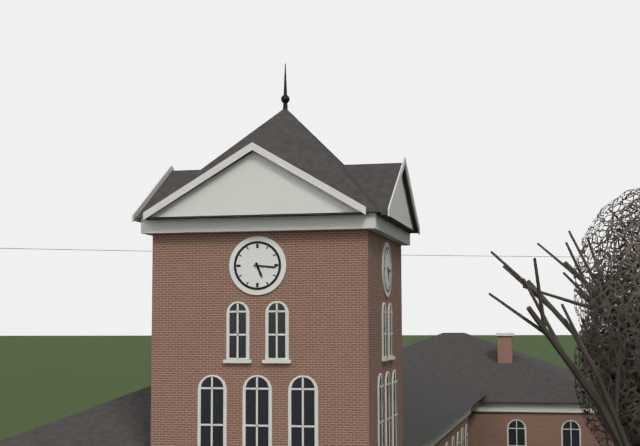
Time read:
5.16
